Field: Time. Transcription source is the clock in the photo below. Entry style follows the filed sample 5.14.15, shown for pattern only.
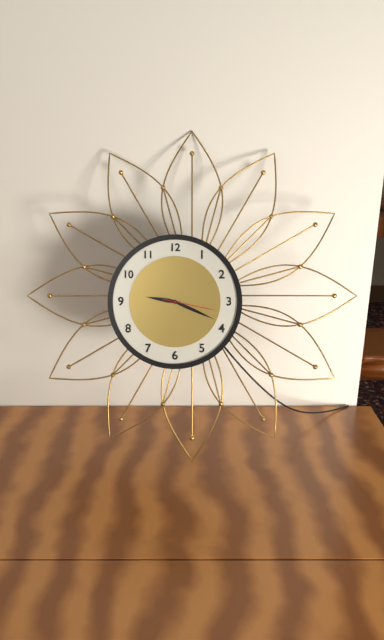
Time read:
9.19.17
